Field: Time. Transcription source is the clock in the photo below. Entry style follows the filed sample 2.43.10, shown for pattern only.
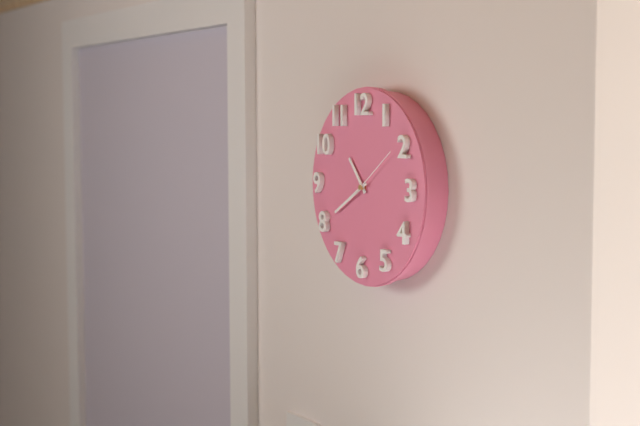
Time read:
10.40.09
